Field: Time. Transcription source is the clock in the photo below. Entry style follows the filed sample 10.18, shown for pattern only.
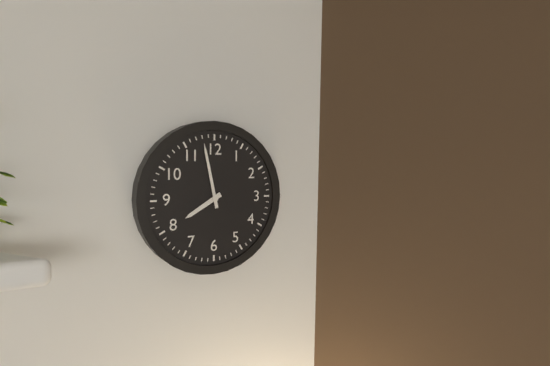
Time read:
7.58
